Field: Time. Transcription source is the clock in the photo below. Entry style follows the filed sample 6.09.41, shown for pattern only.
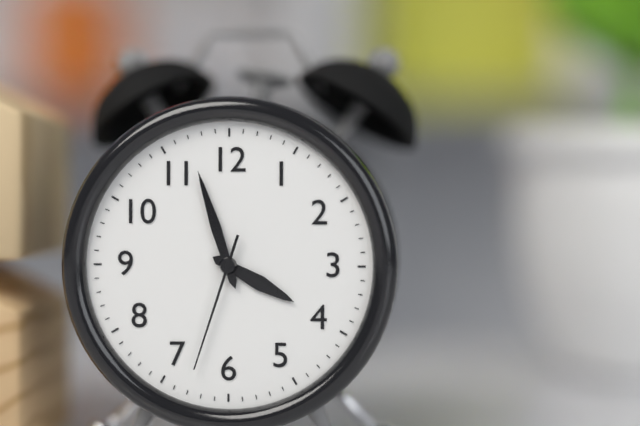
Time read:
3.57.33
